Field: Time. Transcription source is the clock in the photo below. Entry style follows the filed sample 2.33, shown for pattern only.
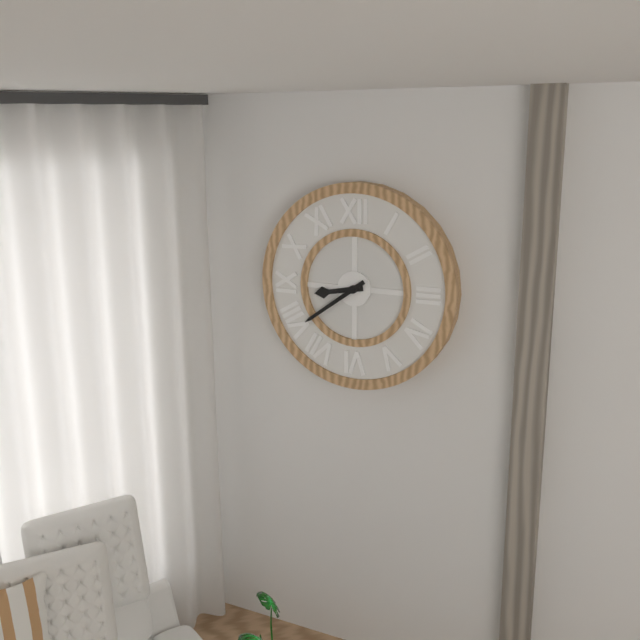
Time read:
8.39
